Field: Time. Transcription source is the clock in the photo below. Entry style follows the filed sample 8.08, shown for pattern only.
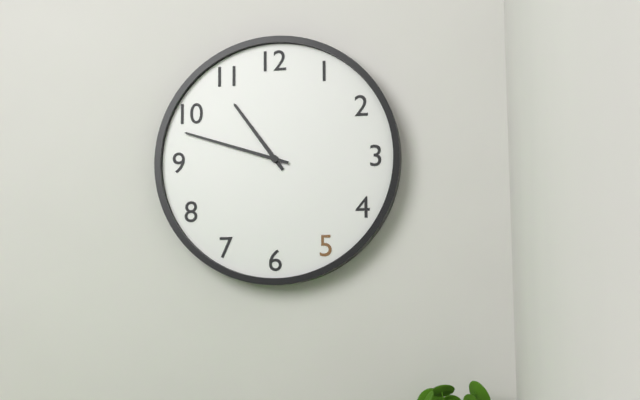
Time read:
10.48
